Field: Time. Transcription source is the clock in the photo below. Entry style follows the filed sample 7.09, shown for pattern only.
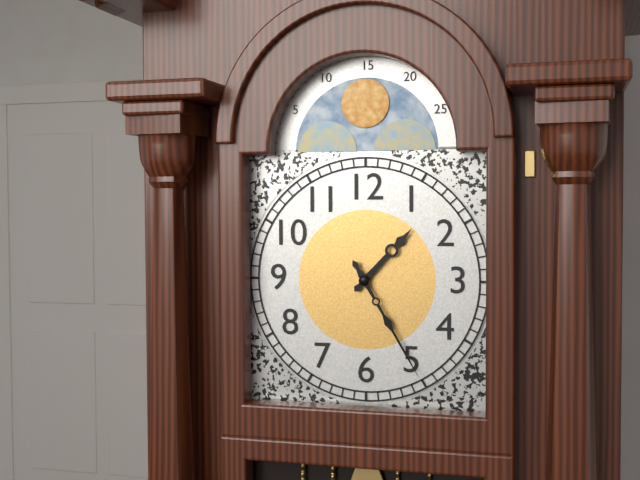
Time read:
1.25
